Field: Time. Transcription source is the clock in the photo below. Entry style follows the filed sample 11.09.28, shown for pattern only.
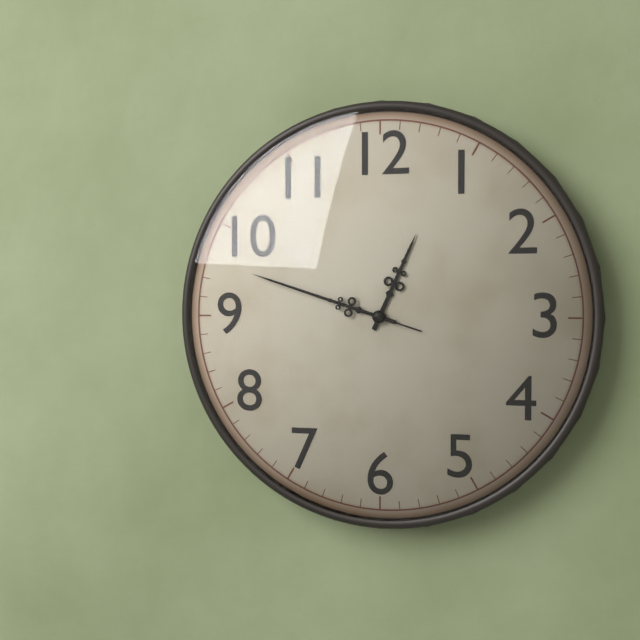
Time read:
12.48.48
